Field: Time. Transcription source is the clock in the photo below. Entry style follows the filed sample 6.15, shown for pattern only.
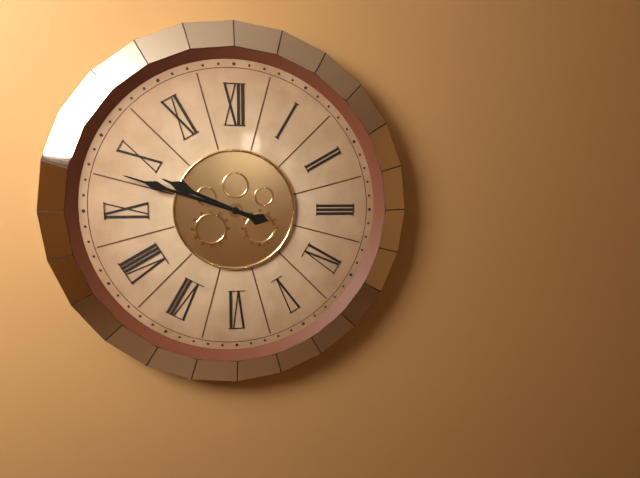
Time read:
9.48
